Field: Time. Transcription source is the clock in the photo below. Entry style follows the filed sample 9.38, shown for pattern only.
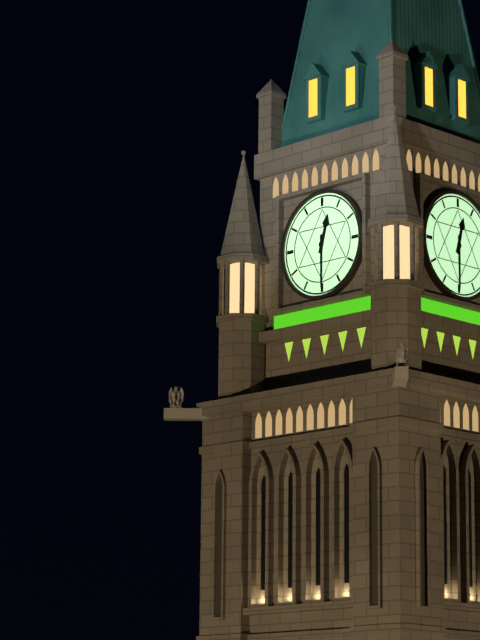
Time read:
12.30
